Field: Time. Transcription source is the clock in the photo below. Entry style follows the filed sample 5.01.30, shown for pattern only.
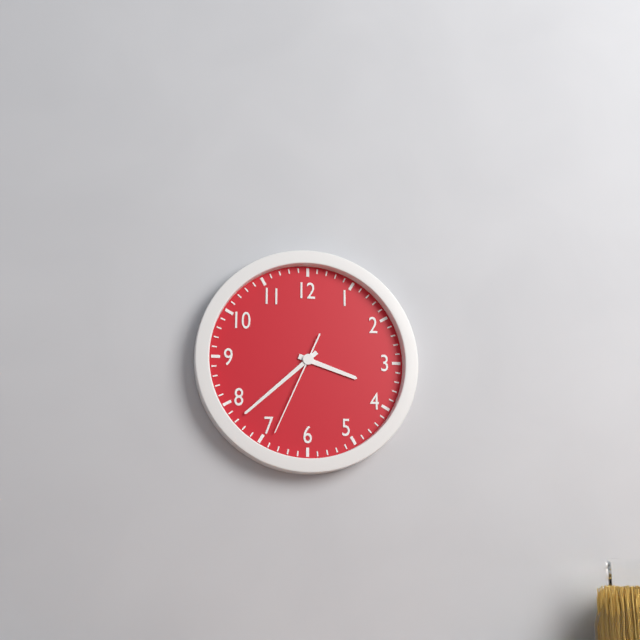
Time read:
3.38.34
